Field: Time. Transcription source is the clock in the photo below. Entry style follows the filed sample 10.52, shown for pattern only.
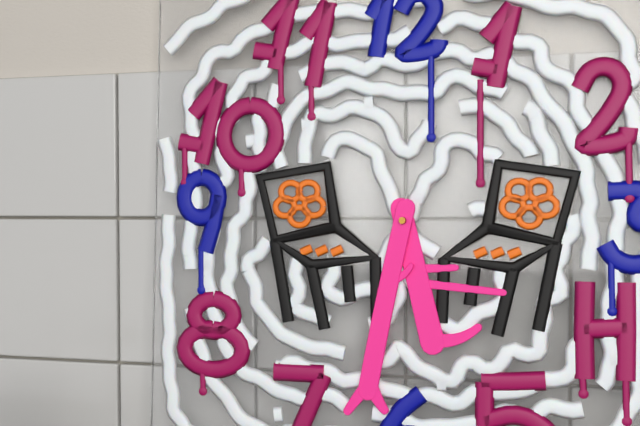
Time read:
5.32
